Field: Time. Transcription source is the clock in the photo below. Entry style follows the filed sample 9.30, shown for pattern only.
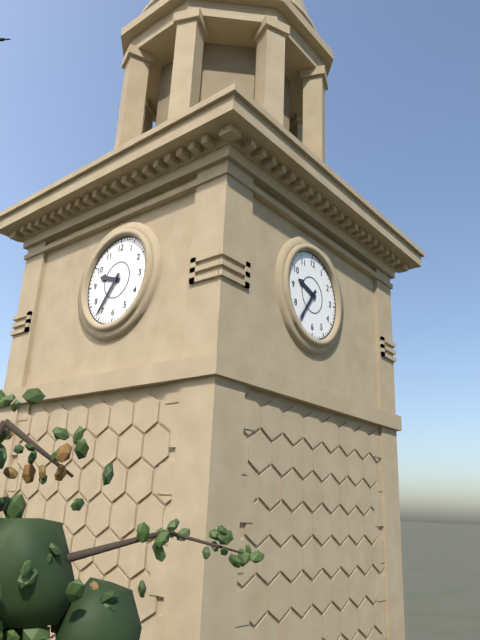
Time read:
9.36
